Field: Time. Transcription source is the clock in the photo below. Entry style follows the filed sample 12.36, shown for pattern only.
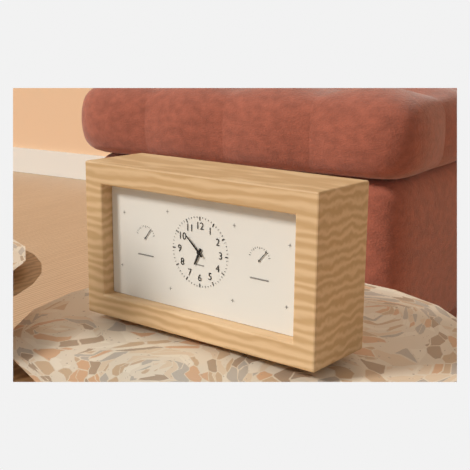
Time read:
6.52
